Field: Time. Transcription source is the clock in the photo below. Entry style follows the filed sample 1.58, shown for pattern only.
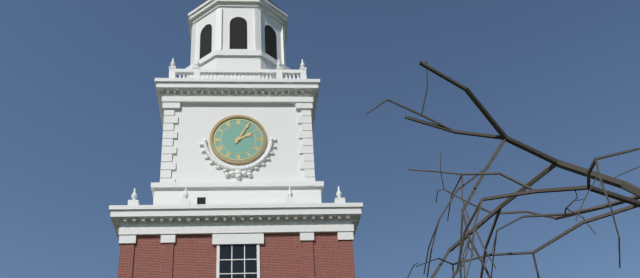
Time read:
2.05
